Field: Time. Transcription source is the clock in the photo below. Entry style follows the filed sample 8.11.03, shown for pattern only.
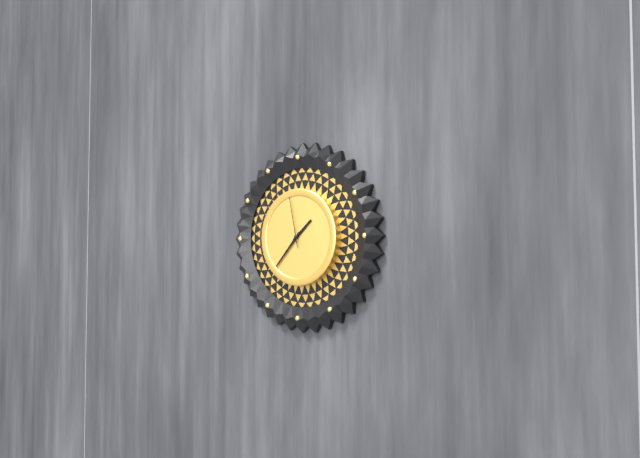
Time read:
1.37.58
